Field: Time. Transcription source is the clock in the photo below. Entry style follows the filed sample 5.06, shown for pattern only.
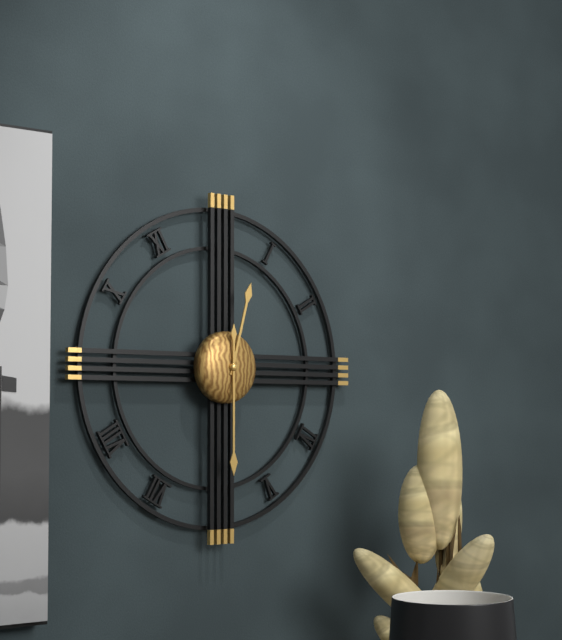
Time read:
12.30
